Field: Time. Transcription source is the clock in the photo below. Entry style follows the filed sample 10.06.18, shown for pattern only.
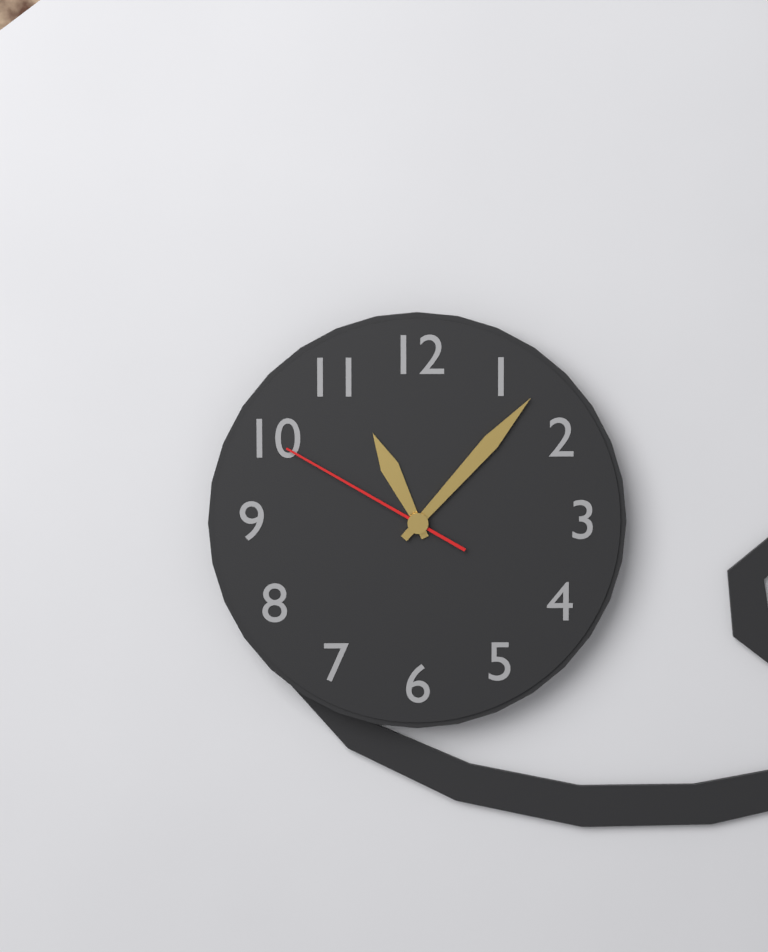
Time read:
11.07.50
